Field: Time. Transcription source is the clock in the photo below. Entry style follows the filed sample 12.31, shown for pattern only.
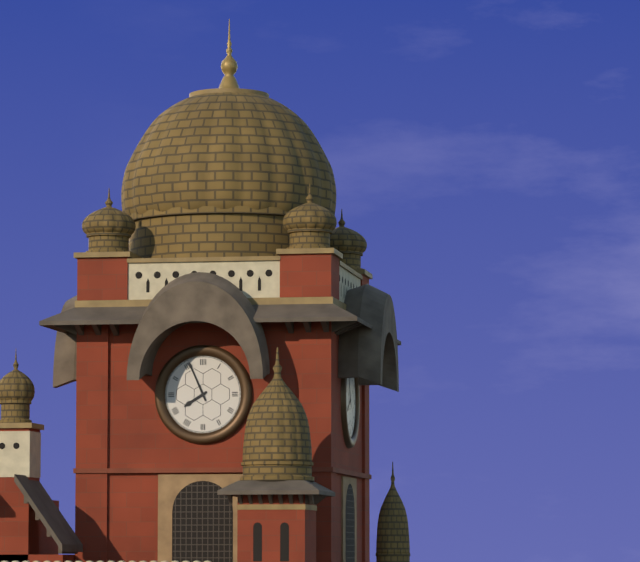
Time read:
7.56
